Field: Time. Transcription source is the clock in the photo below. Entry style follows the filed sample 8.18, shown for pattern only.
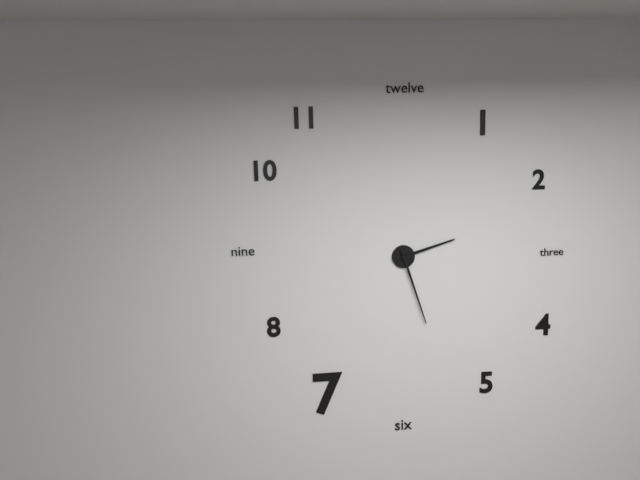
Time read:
2.27
